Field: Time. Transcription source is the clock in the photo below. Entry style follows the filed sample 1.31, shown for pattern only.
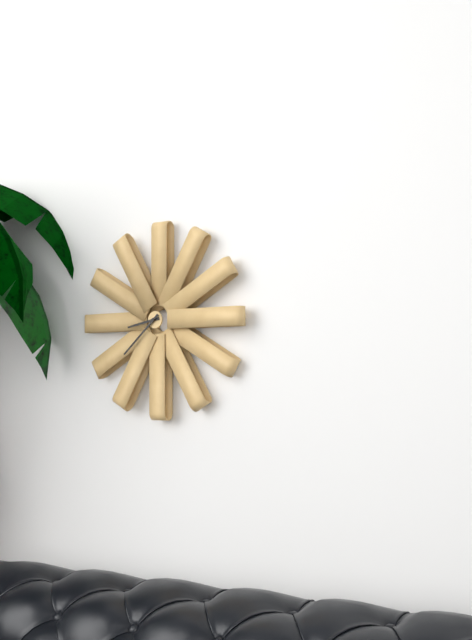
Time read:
8.38
